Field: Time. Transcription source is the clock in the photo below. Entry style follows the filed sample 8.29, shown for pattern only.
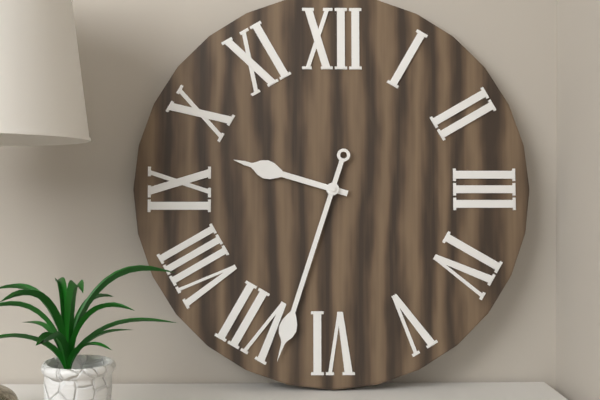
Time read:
9.33
